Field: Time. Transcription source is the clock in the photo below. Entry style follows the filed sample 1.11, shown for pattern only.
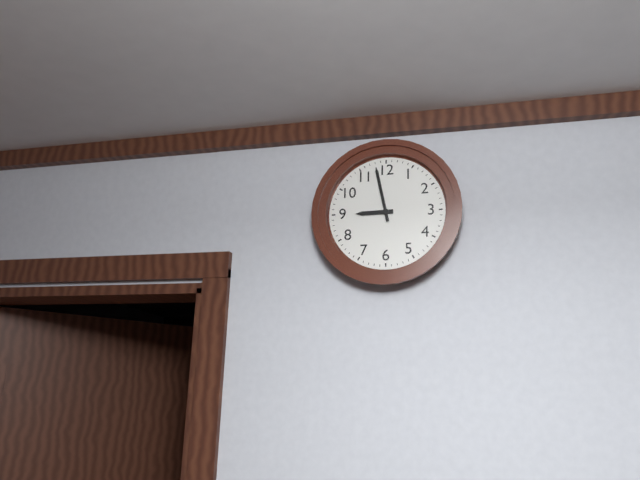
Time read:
8.58
